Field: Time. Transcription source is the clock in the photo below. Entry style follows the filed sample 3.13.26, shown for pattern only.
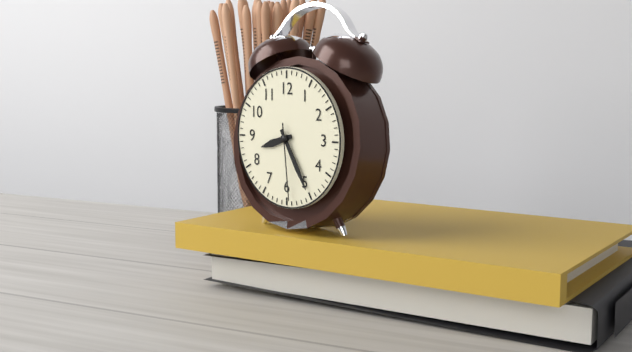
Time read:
8.25.29
